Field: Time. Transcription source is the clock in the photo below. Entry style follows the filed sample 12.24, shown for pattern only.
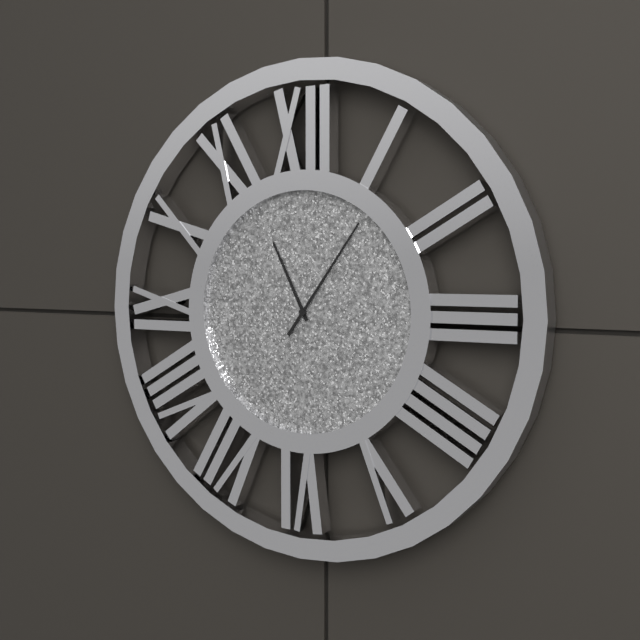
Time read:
11.06
